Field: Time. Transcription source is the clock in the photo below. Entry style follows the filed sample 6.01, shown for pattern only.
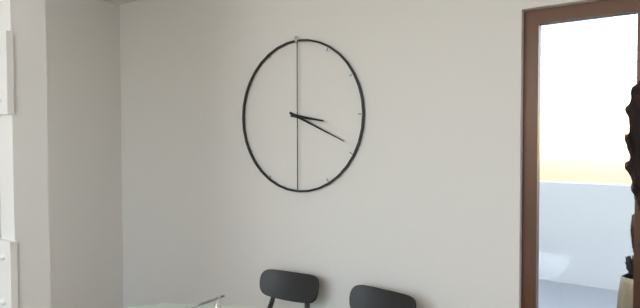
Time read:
3.19
